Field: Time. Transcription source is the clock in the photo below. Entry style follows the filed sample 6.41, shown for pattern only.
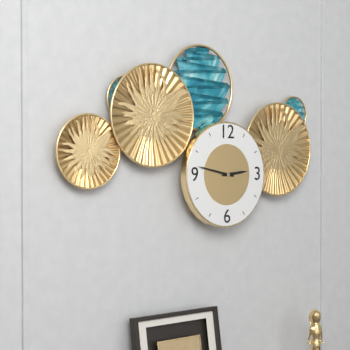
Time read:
2.47
